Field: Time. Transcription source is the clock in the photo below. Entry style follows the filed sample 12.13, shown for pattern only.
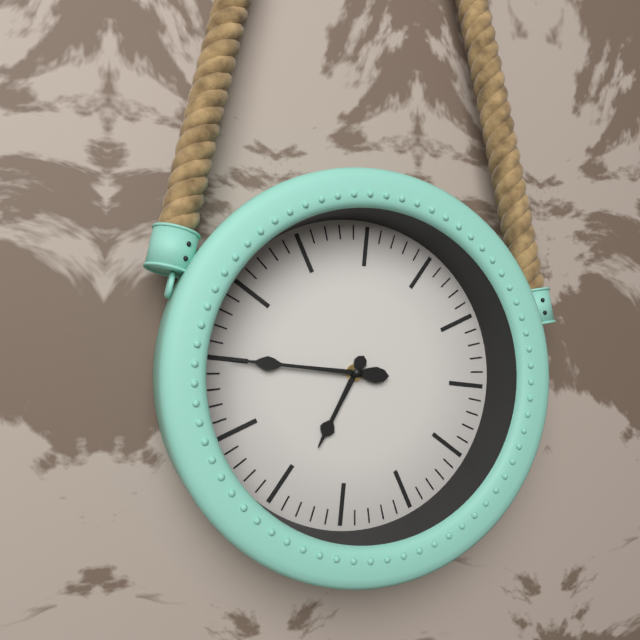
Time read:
6.45
